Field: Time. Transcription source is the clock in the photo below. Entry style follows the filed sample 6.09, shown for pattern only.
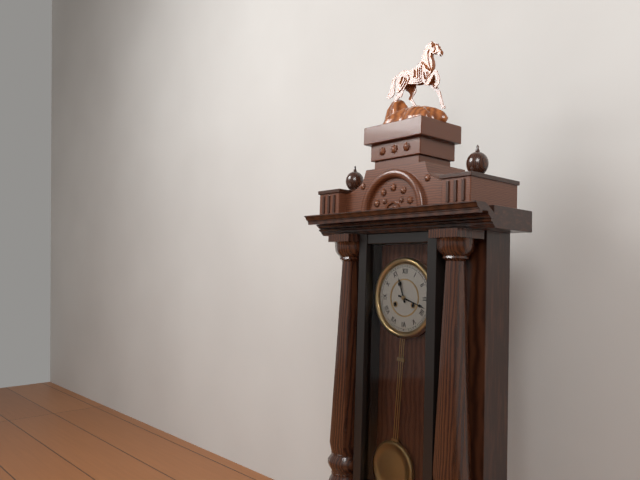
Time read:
11.18
